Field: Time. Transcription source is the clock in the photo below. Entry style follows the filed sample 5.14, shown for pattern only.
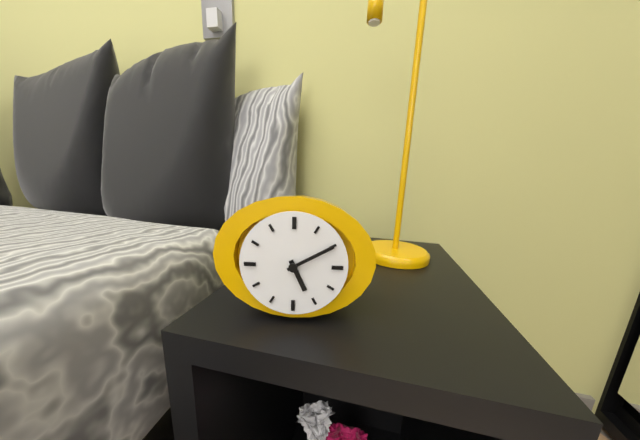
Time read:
5.10
